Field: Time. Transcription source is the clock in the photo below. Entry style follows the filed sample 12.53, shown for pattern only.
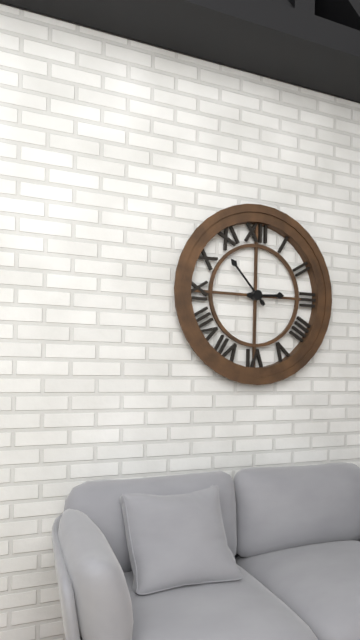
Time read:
2.53
